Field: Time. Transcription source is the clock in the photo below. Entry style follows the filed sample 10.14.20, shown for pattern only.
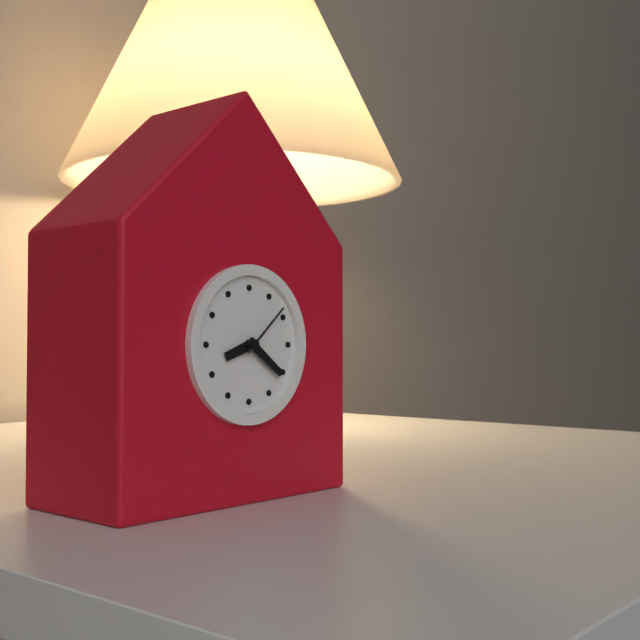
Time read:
8.21.08
